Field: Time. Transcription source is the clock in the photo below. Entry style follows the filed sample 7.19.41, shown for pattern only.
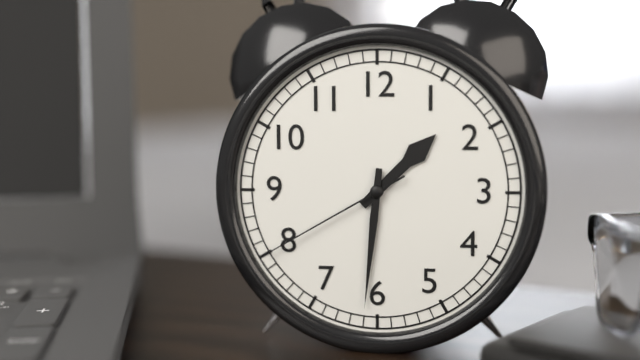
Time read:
1.31.40
